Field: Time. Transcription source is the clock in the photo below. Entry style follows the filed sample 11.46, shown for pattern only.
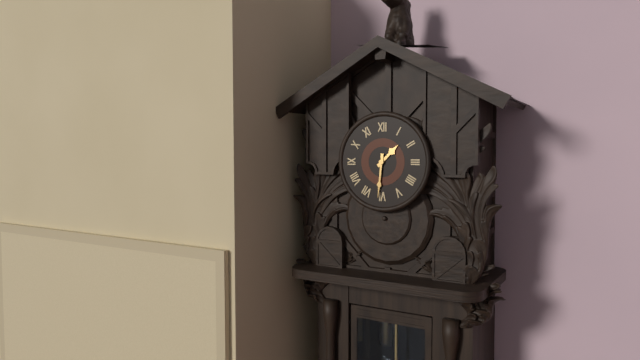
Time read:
1.31
